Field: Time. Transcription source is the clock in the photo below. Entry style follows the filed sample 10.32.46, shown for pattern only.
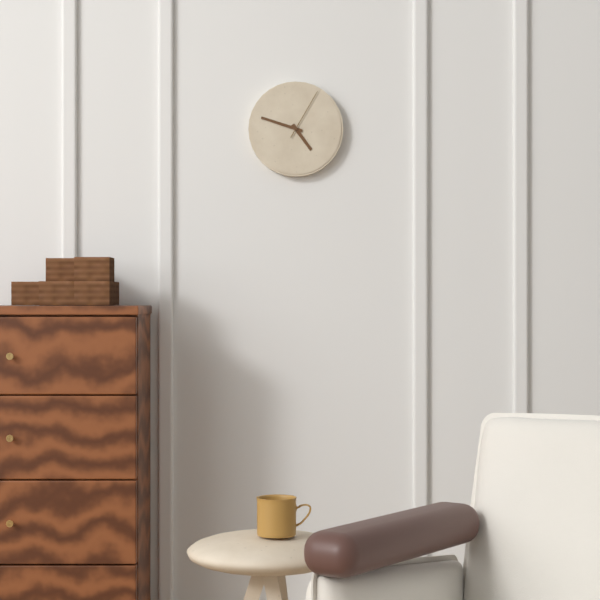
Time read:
4.48.05
